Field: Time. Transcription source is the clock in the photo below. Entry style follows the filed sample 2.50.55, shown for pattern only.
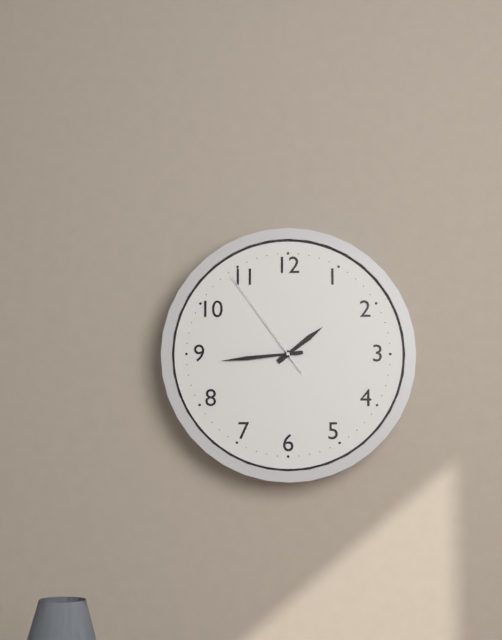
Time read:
1.44.54
